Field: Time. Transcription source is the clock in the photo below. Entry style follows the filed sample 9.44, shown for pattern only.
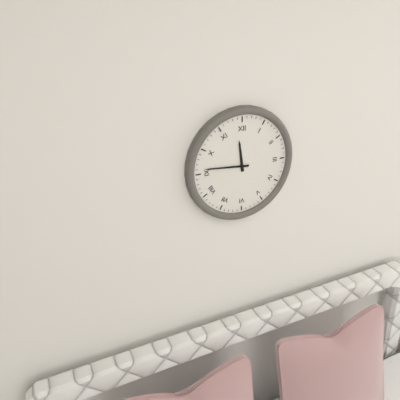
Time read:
11.46
